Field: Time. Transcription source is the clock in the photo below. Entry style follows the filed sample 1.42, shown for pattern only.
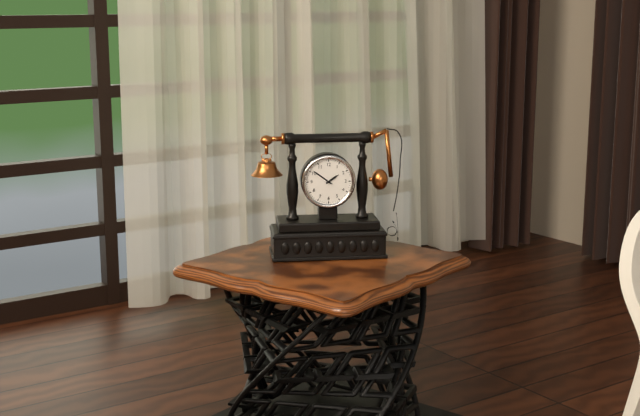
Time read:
1.51
